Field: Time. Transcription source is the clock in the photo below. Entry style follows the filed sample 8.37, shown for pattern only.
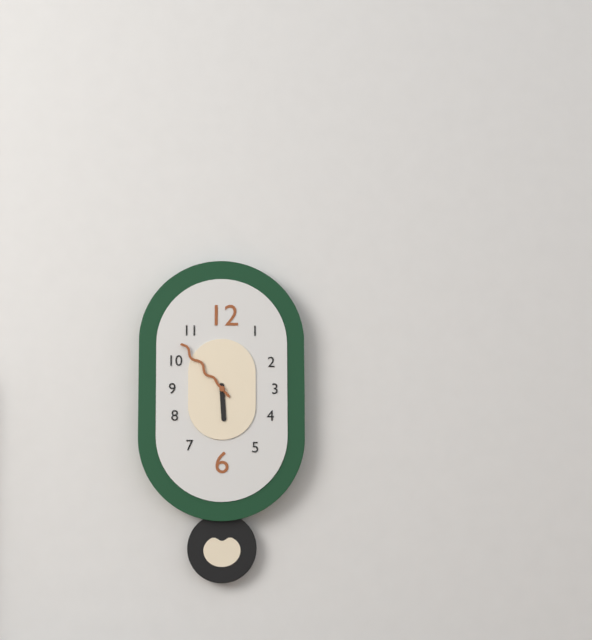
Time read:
5.53
